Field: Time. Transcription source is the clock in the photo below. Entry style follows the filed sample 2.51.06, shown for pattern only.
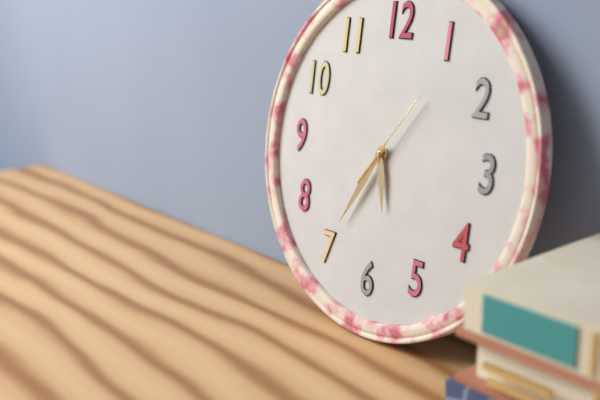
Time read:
5.35.06
